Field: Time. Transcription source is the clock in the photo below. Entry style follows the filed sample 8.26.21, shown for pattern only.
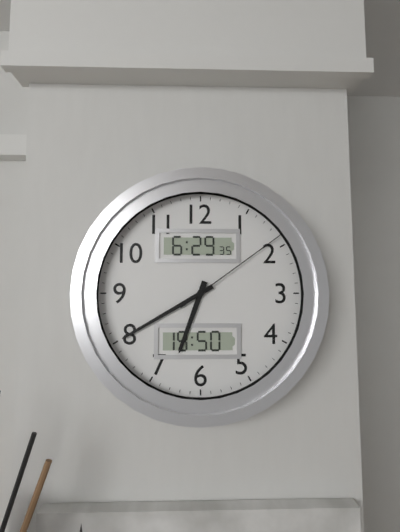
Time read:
6.40.09
